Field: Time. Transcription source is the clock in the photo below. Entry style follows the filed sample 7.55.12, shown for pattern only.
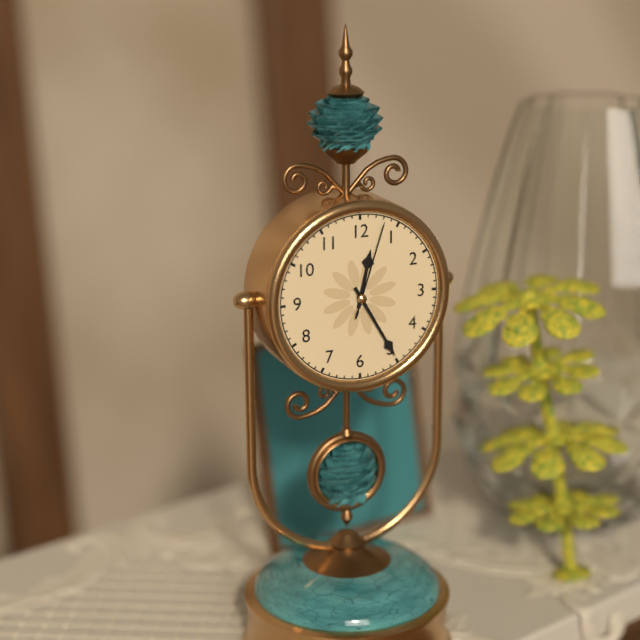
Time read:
12.25.03
